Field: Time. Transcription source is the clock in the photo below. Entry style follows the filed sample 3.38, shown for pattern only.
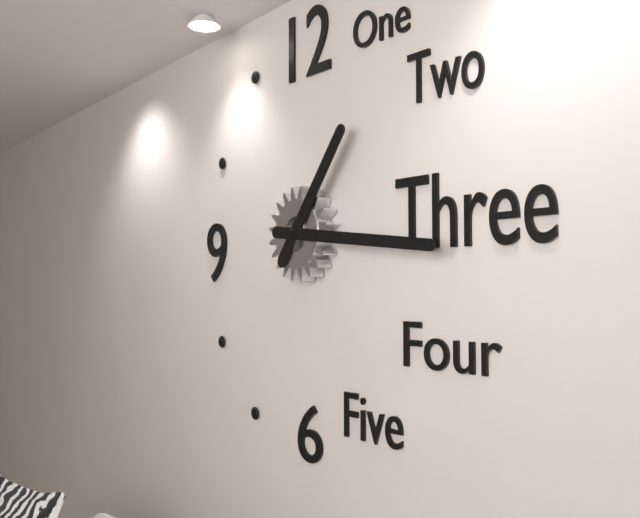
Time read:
1.16
